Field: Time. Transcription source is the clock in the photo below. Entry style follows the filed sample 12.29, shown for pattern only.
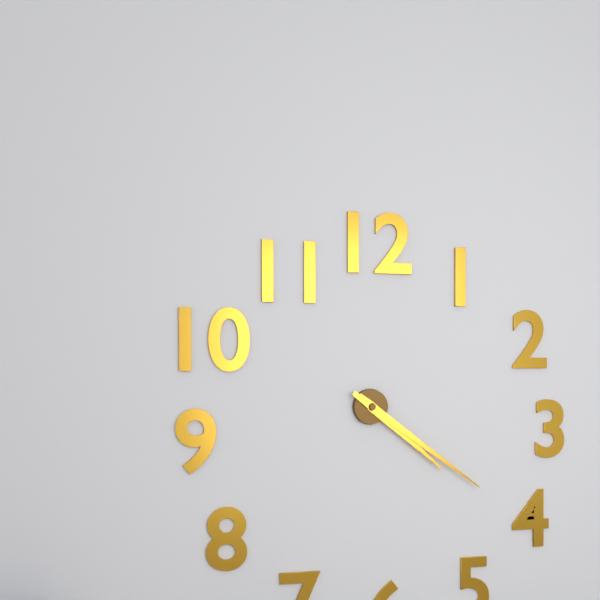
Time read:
4.21
